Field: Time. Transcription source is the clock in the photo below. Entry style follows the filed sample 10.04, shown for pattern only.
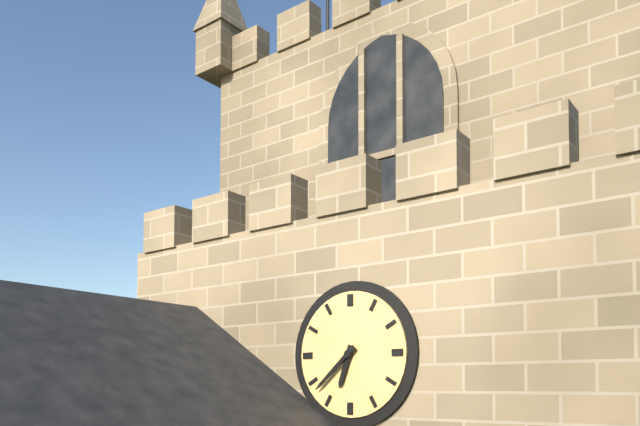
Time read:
6.38
